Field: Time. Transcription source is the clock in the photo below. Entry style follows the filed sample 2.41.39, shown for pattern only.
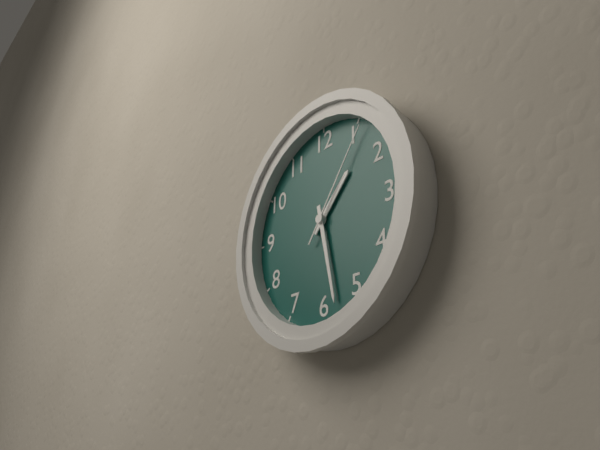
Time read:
1.28.06
